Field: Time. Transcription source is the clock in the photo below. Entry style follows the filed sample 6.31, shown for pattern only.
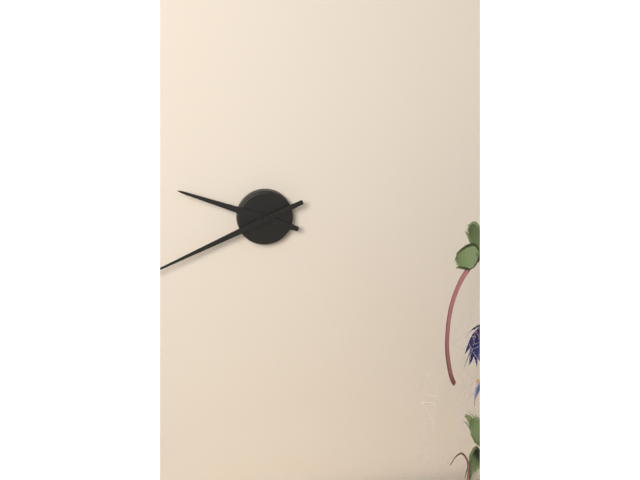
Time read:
9.41
